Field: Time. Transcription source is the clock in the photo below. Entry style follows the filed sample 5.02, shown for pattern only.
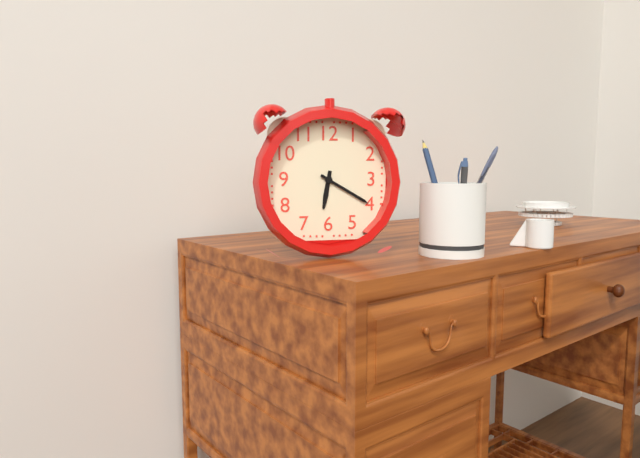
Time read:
6.20
